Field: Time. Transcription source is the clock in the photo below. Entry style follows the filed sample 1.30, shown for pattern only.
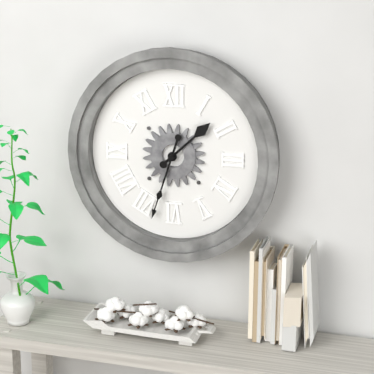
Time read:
1.33
